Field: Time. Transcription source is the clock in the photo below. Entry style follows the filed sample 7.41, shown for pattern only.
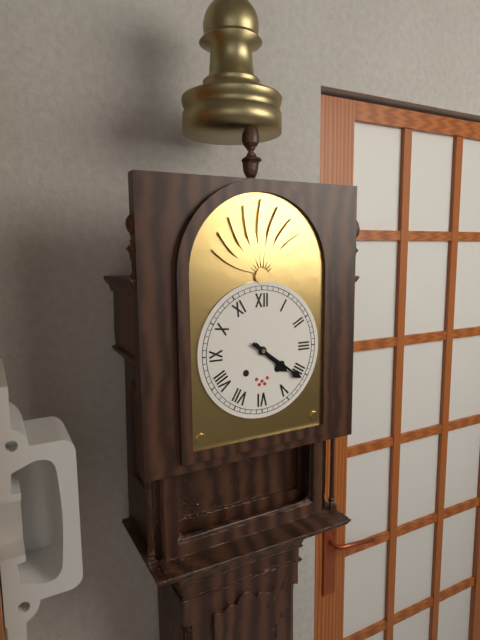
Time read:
4.21
